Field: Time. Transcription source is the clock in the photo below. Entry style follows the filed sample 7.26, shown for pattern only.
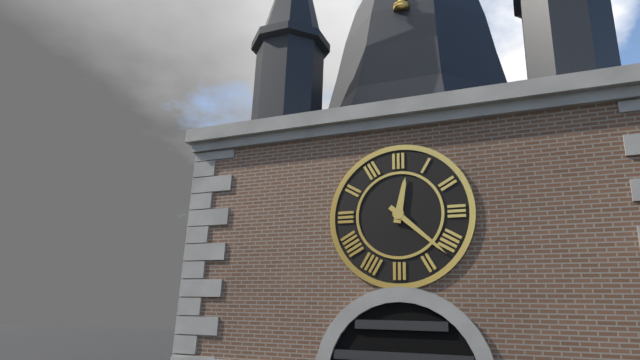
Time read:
12.22
